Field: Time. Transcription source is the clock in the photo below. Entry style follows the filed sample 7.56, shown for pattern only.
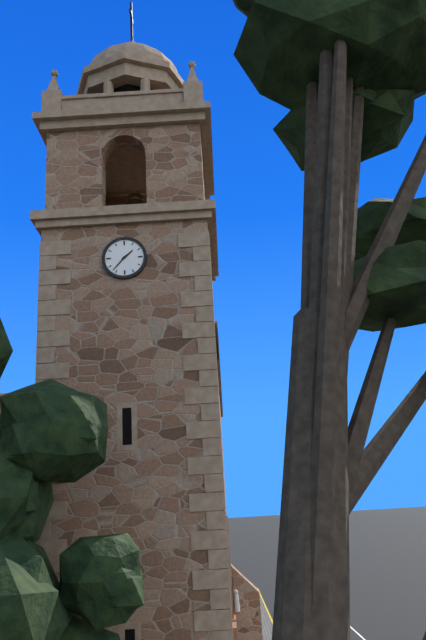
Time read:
1.37
